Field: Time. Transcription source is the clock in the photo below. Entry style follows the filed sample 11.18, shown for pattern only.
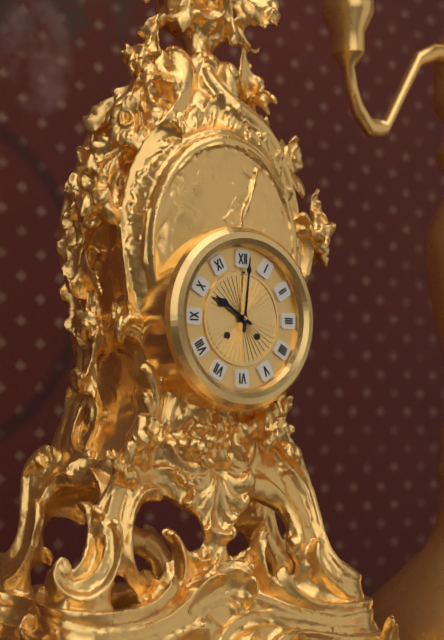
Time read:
10.01
